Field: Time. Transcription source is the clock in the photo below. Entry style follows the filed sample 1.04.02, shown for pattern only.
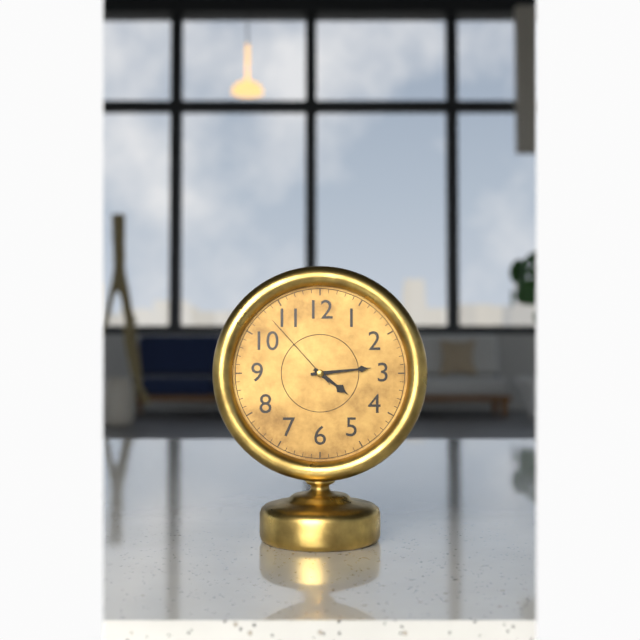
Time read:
4.14.53
